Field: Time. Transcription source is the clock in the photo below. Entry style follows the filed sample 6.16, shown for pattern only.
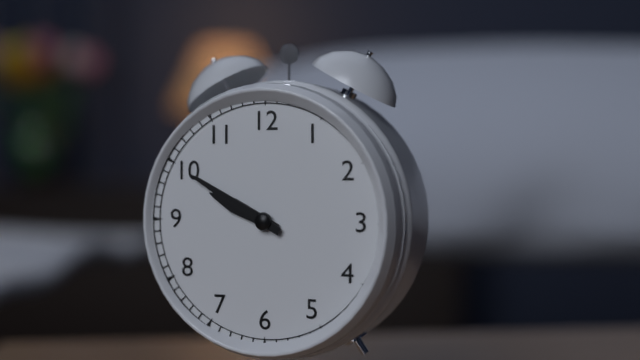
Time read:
9.50
